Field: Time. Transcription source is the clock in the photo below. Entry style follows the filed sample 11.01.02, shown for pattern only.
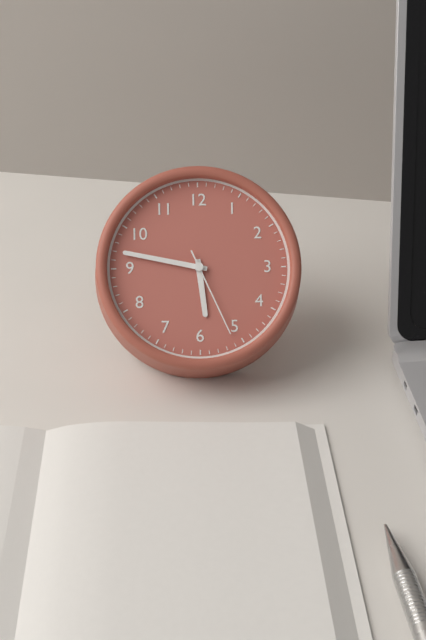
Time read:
5.47.26
